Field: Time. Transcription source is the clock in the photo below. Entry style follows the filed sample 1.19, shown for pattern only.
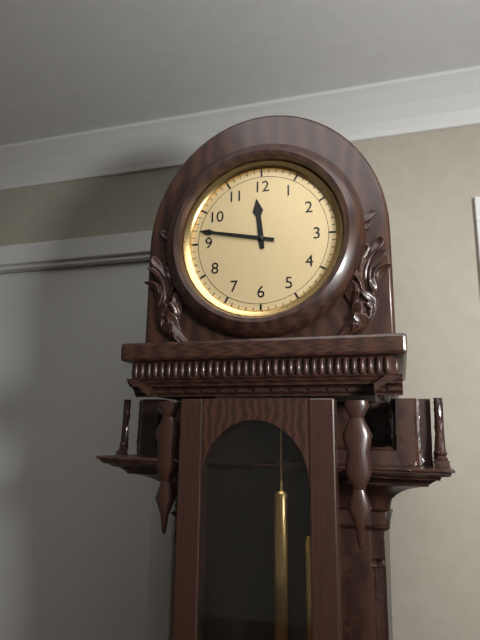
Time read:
11.47
